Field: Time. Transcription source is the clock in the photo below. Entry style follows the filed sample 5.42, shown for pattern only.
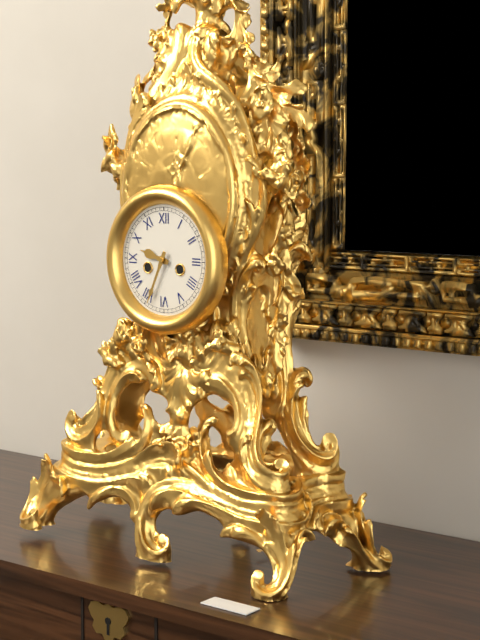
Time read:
9.34
